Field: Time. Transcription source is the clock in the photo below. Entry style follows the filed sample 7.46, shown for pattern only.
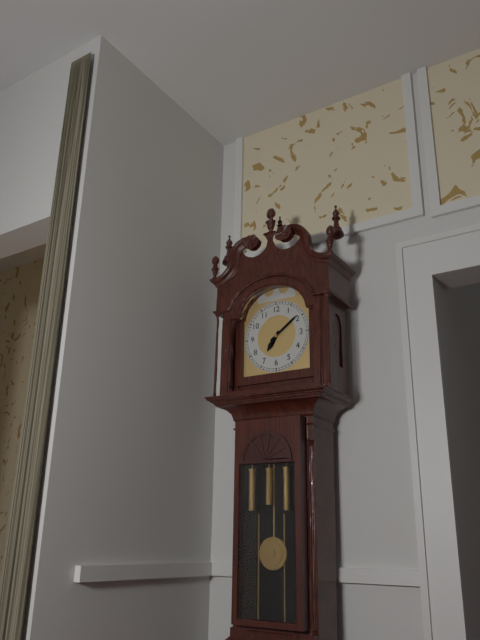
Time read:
7.09
